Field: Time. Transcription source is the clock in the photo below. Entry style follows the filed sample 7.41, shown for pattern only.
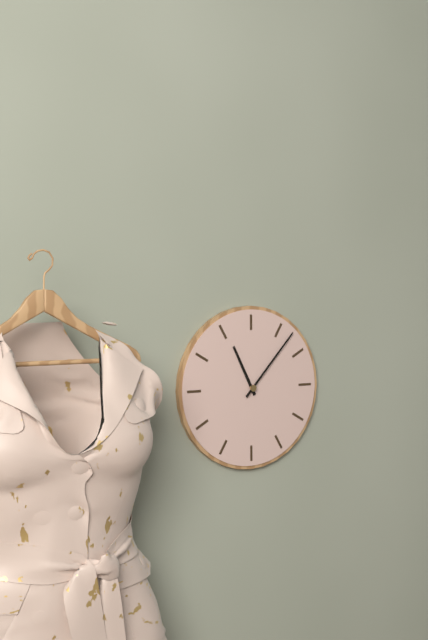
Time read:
11.07
